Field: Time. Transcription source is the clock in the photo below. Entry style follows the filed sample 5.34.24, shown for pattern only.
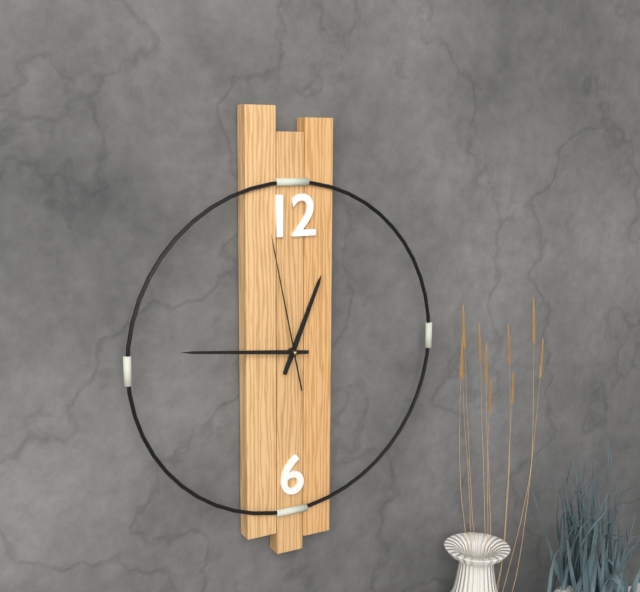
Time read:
12.46.58
